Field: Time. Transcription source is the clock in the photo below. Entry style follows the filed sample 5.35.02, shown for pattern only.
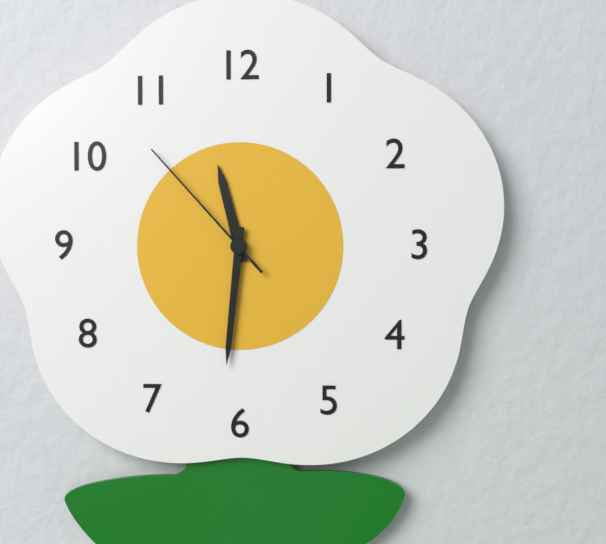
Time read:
11.31.53
